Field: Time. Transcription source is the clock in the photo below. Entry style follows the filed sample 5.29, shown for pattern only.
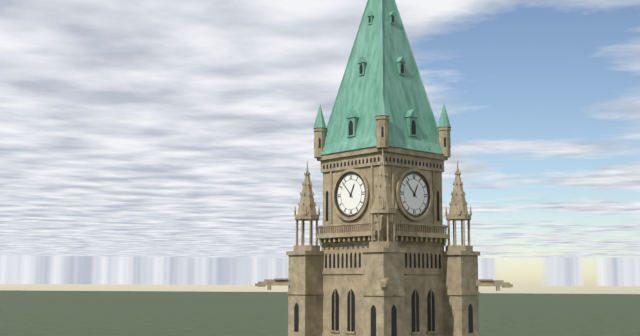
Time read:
12.53
